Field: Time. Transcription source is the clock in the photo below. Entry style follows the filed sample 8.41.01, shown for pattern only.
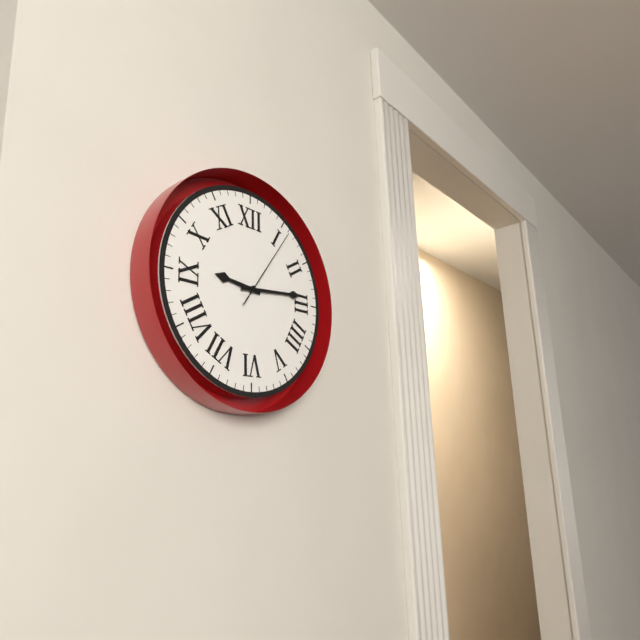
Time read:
9.14.06
